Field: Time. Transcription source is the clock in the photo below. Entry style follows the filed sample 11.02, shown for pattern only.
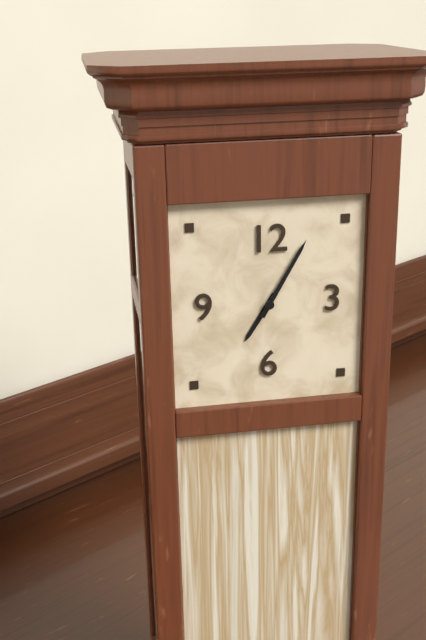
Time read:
7.05
